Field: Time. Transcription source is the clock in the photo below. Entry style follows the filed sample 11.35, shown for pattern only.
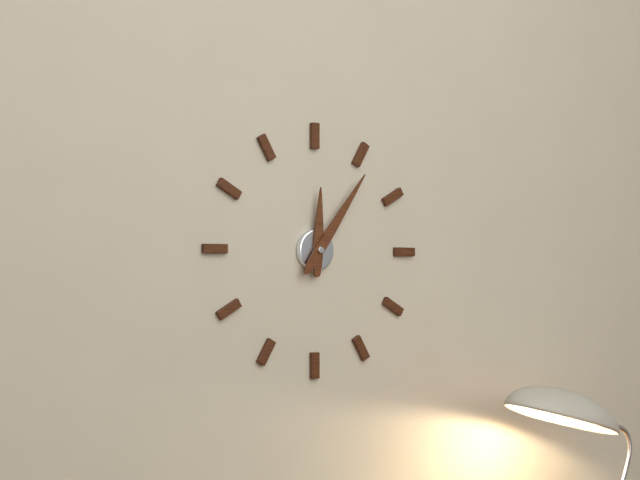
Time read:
12.06
